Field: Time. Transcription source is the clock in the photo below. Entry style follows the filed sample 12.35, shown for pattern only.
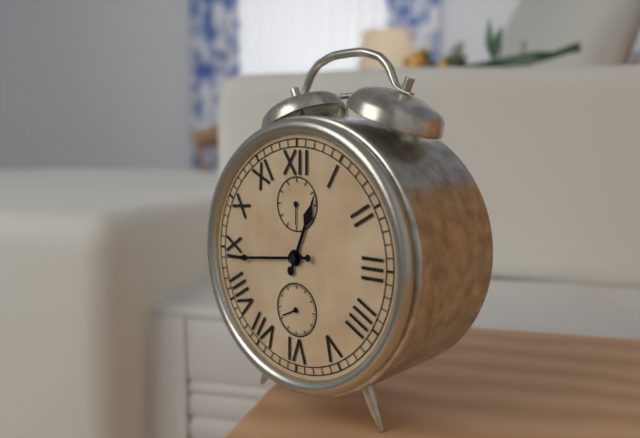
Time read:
12.44
